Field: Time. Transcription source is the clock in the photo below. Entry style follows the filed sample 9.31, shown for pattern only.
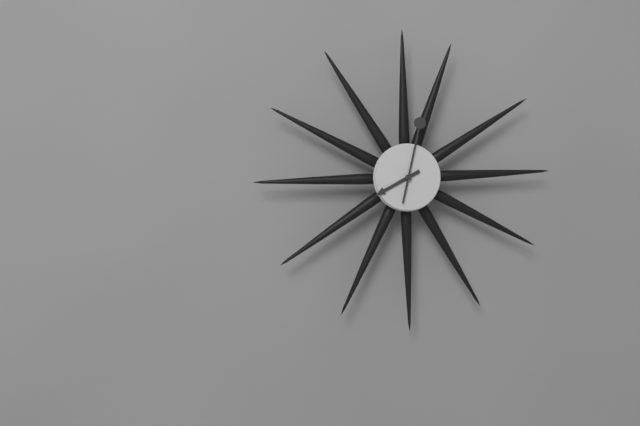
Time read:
8.02
